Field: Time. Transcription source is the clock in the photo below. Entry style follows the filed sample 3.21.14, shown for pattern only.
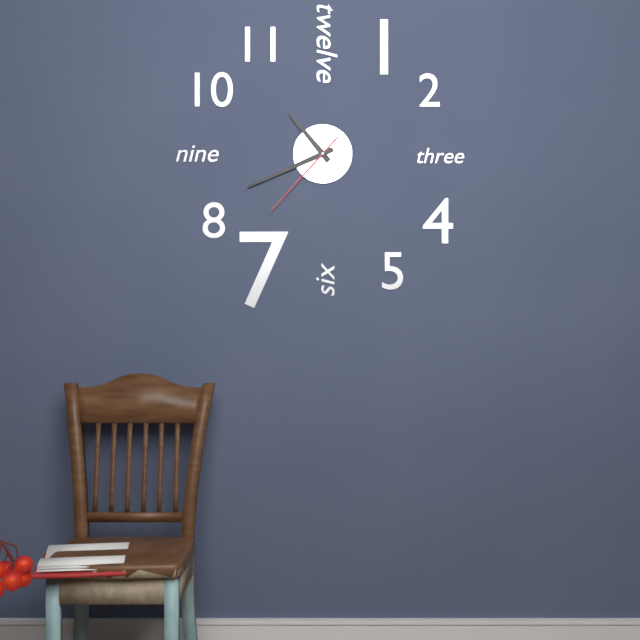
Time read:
10.41.37
